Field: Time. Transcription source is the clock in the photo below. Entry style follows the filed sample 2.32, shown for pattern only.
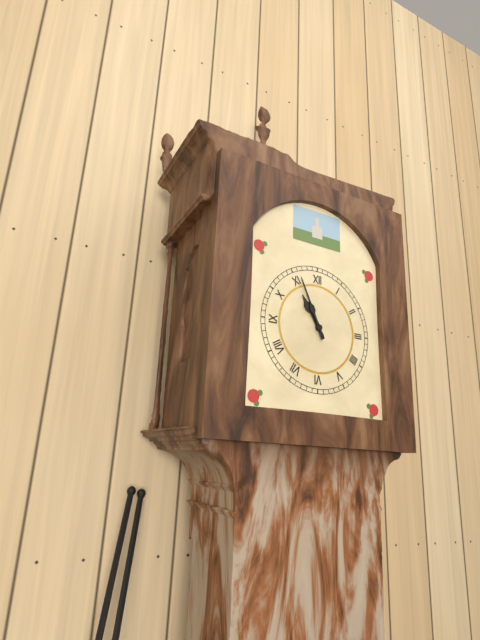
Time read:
10.56
